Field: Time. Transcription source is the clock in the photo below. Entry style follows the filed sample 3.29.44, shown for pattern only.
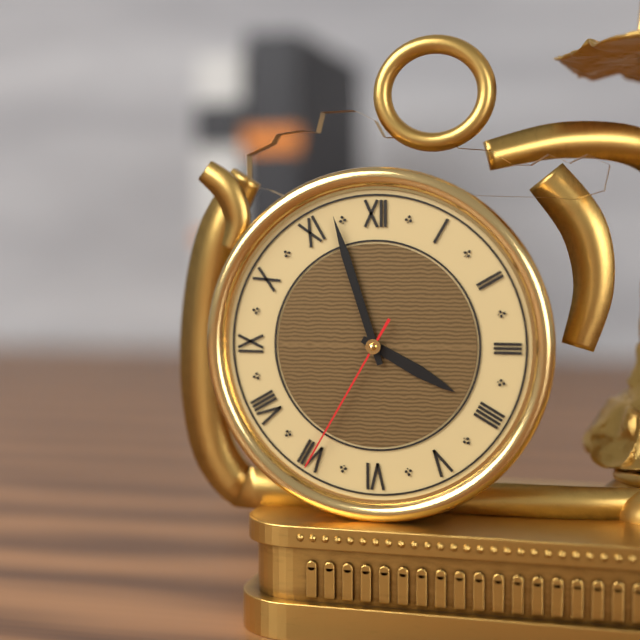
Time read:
3.57.35
